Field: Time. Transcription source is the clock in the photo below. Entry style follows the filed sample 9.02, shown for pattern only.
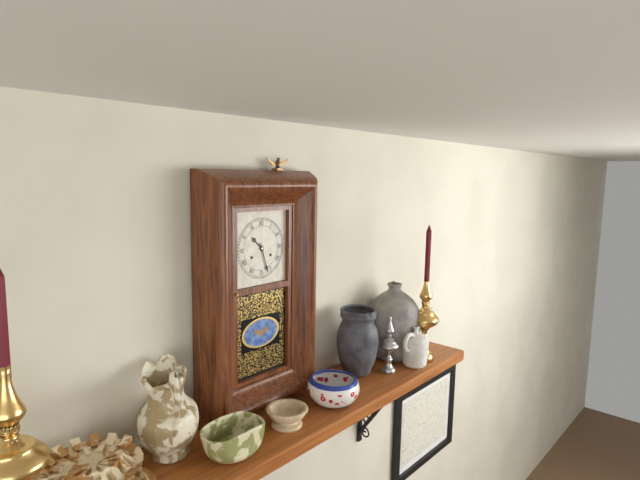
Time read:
10.27
